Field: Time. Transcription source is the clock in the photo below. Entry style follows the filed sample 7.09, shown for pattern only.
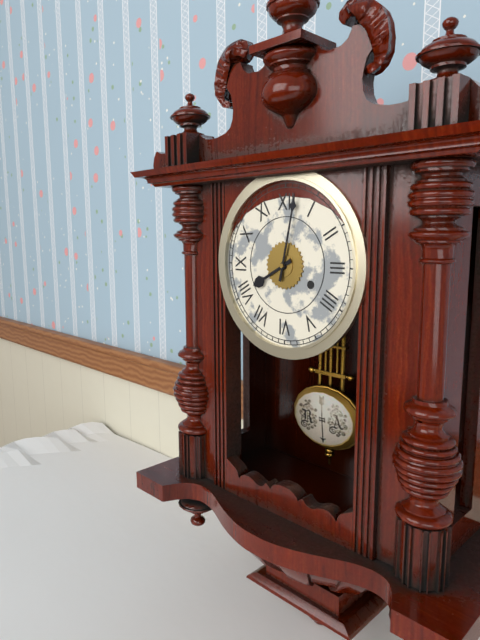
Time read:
8.02
